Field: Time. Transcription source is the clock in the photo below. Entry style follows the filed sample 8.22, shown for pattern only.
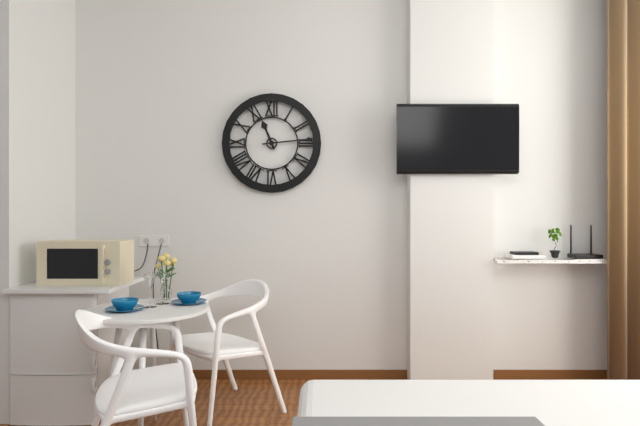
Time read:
11.14
